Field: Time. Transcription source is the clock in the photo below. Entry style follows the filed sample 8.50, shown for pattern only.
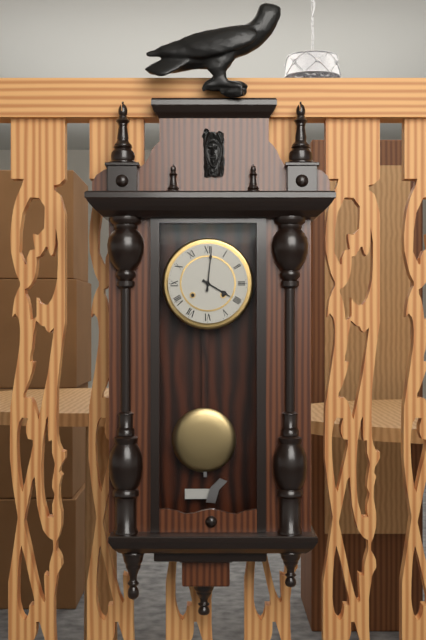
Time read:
4.01
